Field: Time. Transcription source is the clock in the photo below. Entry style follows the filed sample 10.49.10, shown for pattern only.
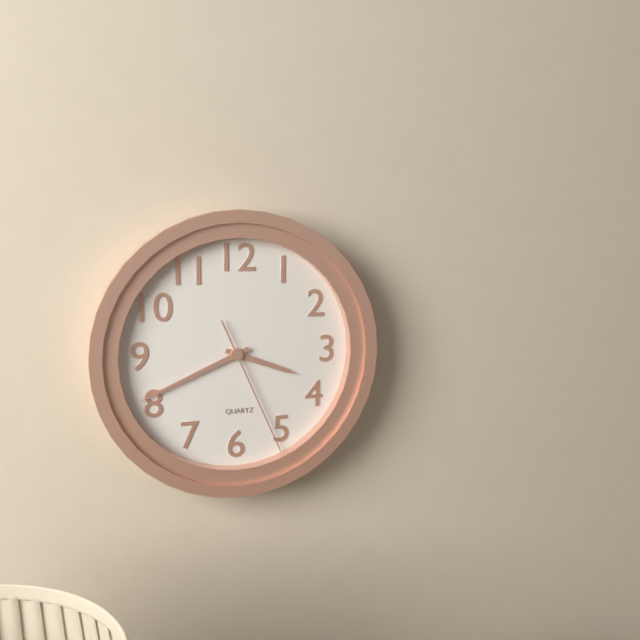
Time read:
3.41.26
